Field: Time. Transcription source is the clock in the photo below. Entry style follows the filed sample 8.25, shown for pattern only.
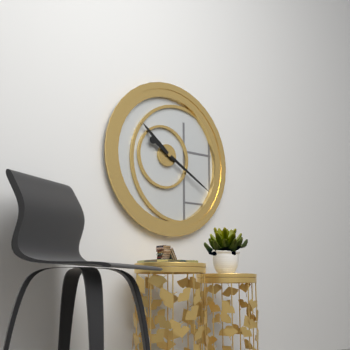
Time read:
10.20
